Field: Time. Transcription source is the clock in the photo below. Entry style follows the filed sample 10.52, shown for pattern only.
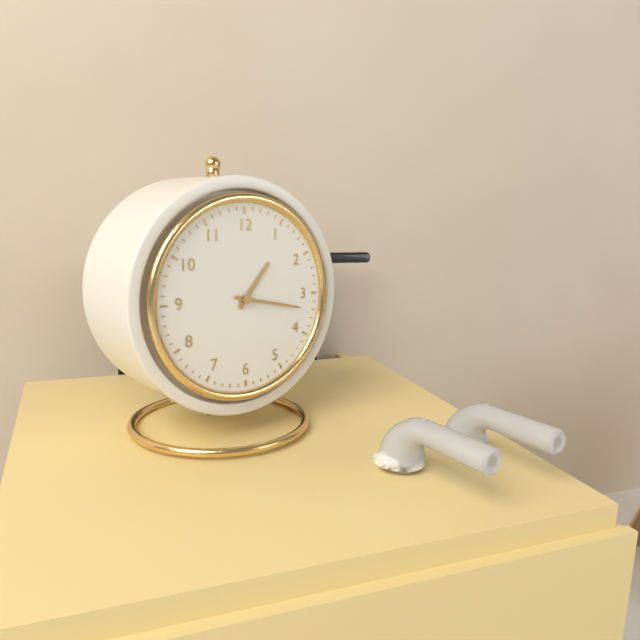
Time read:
1.17
